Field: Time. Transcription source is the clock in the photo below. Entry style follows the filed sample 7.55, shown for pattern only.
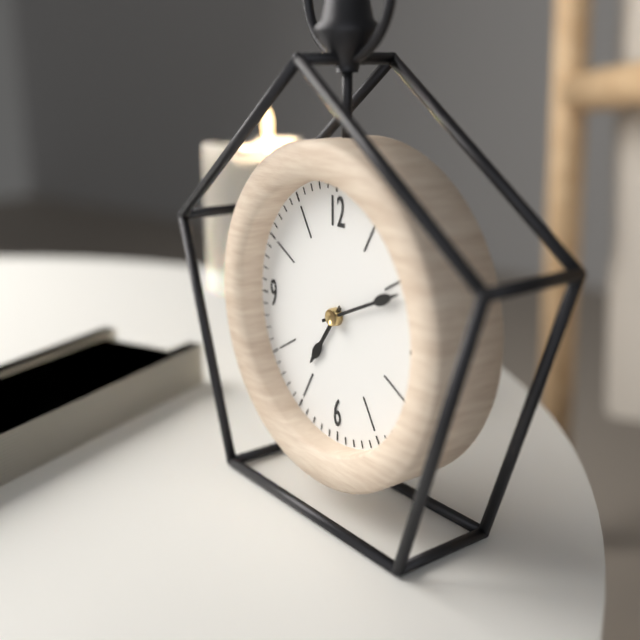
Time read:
7.11
